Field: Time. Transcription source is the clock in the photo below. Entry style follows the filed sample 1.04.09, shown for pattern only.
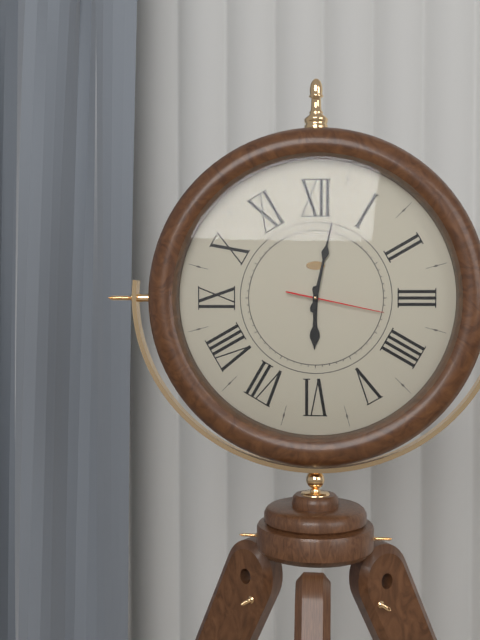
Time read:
6.02.17
